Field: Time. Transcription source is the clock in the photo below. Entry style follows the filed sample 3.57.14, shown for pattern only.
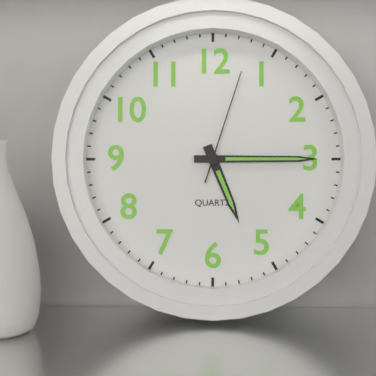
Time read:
5.15.03
